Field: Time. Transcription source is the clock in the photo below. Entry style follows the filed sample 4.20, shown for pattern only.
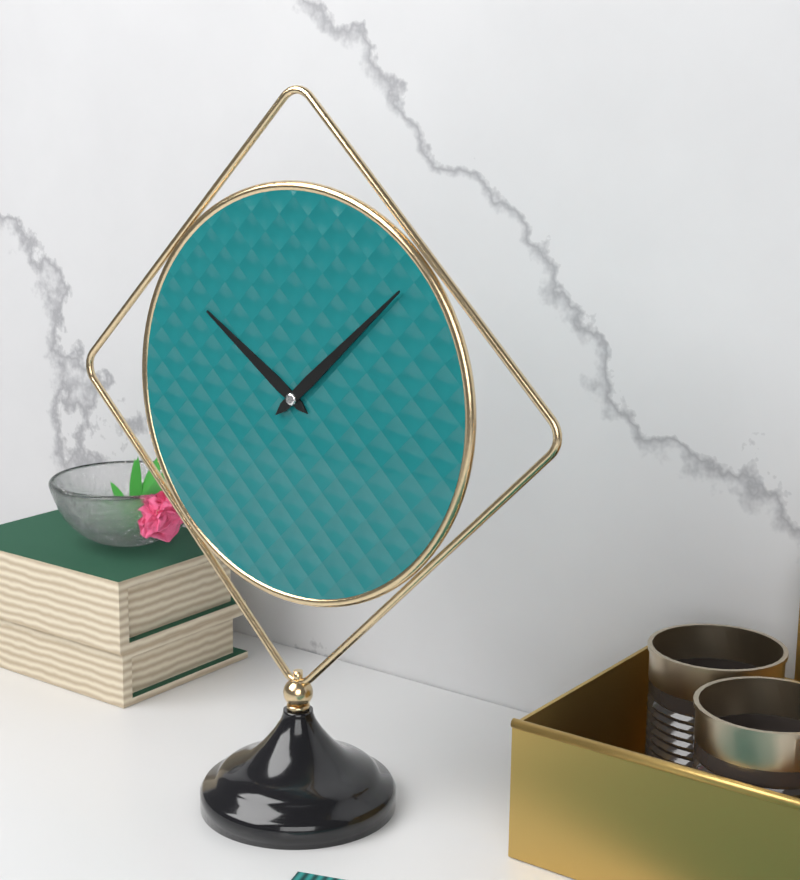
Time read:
10.08
